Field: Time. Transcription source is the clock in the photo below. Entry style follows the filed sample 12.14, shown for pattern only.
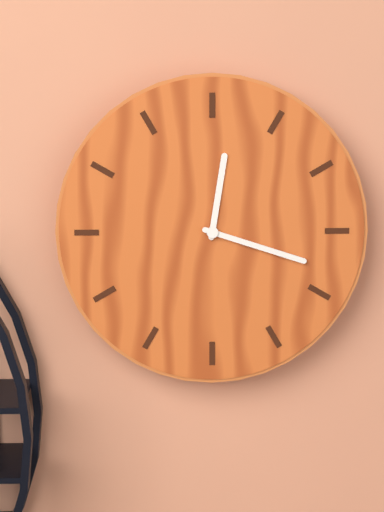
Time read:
12.18
